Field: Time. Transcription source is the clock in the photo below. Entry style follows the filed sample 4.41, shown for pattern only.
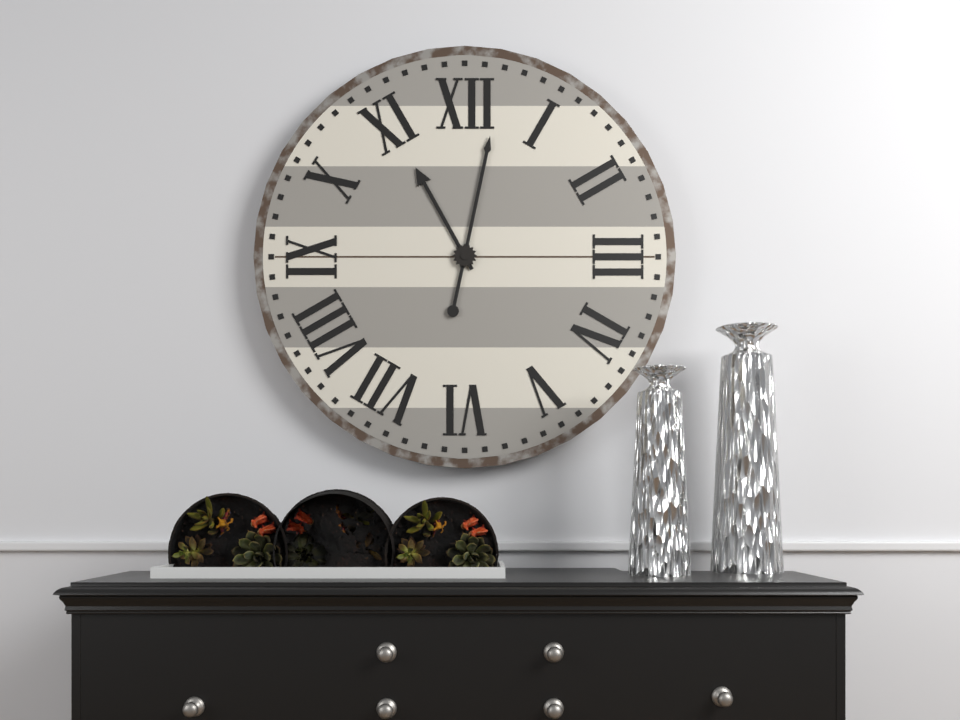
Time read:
11.02
